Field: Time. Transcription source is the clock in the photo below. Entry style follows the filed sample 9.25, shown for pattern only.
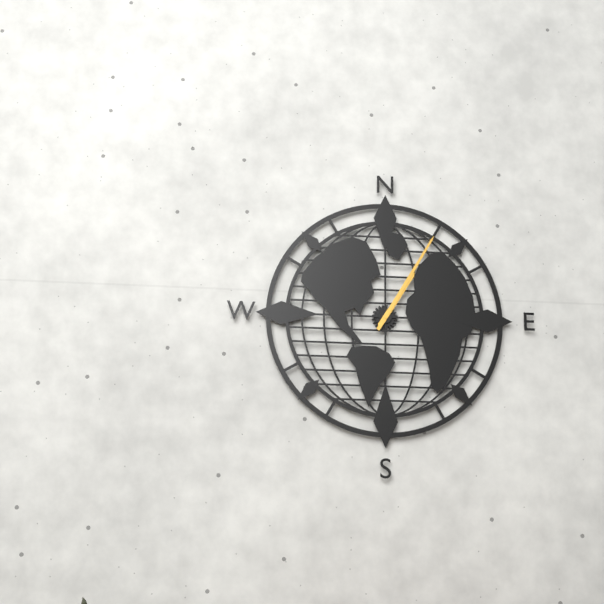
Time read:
1.05
